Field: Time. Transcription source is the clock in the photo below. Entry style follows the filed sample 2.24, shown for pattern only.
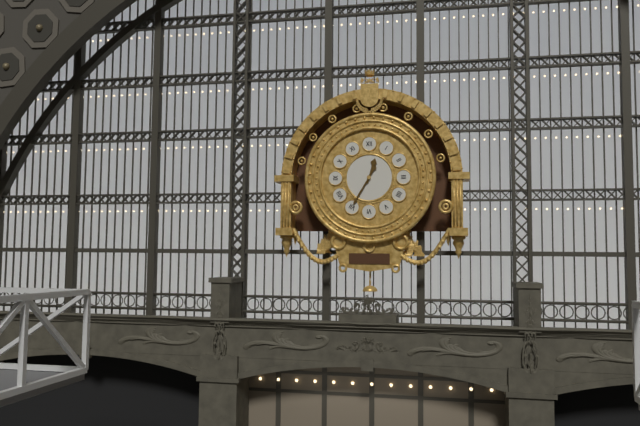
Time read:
12.35
